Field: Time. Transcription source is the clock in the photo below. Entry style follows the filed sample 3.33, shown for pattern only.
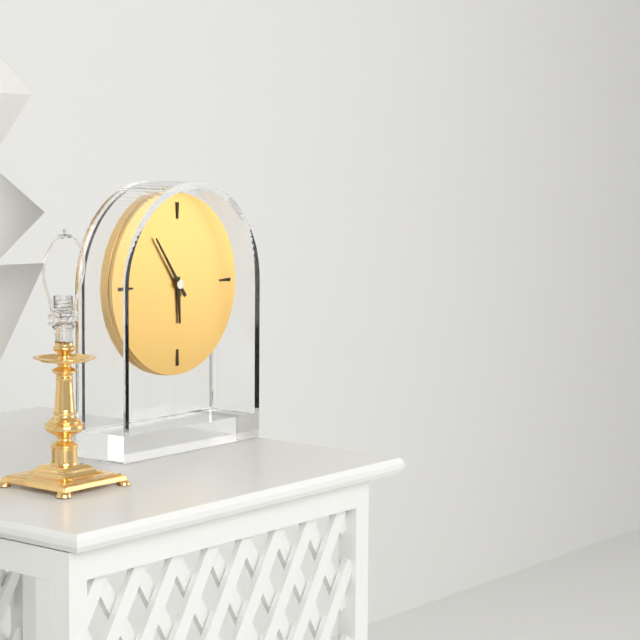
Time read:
5.54
